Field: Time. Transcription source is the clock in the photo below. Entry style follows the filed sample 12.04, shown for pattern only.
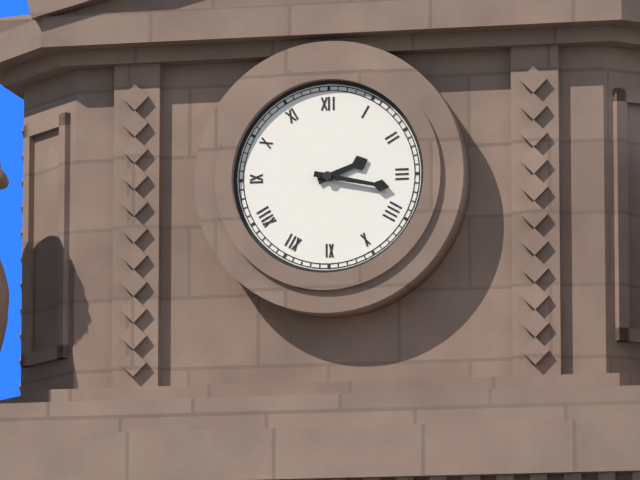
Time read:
2.17
